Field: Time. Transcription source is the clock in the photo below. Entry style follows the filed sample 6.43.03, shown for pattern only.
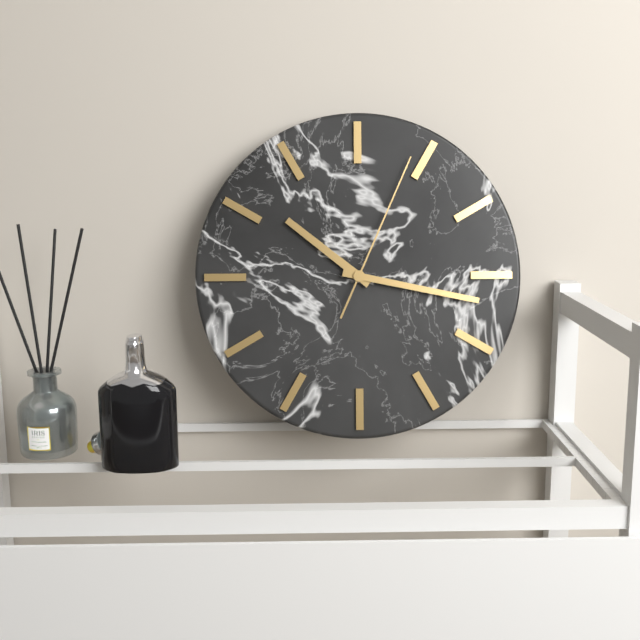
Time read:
10.17.04
